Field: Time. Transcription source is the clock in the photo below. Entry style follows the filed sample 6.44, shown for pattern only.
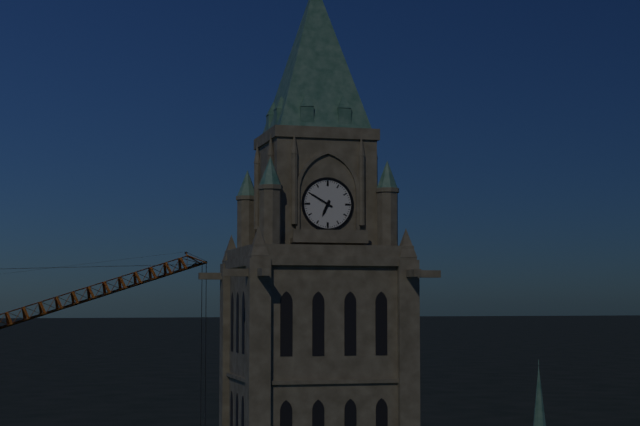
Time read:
6.50
